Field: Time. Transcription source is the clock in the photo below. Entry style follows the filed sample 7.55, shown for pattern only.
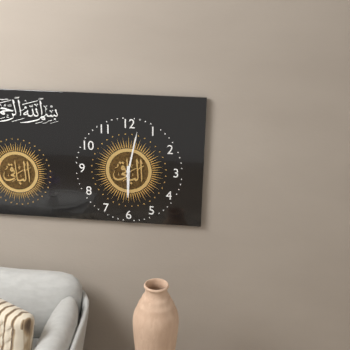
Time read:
6.02
